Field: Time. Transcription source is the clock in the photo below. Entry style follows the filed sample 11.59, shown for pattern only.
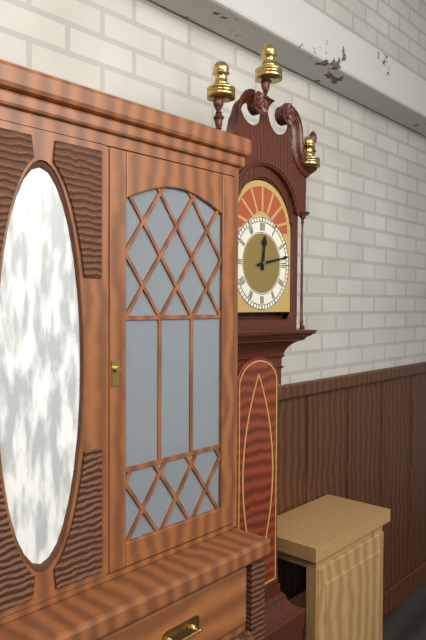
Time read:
12.13
